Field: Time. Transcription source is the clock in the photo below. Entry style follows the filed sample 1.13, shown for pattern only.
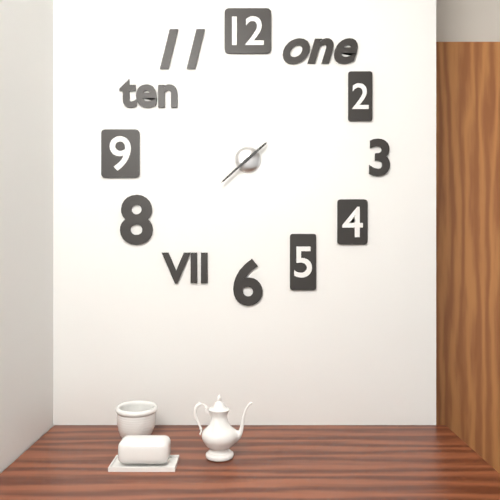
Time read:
1.38
